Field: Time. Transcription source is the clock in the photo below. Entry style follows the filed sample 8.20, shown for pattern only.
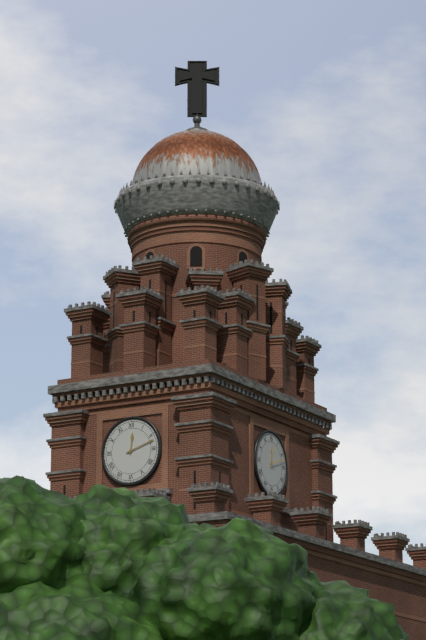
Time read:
12.12
